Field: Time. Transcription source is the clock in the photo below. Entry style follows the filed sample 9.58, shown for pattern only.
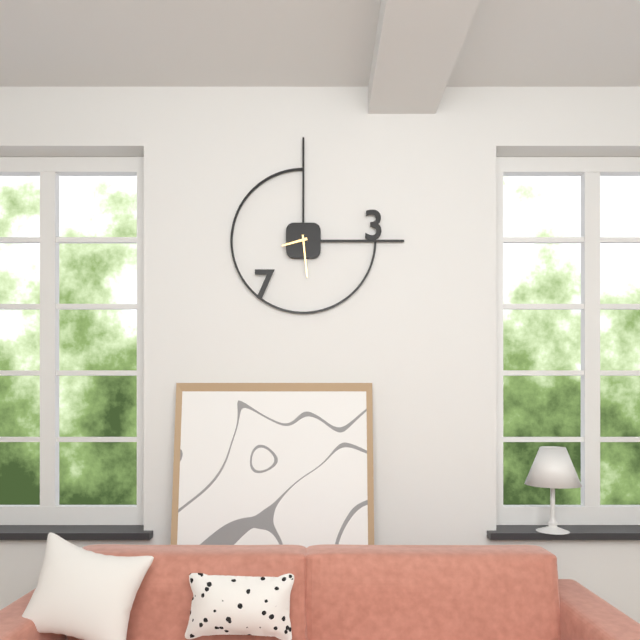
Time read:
8.29
